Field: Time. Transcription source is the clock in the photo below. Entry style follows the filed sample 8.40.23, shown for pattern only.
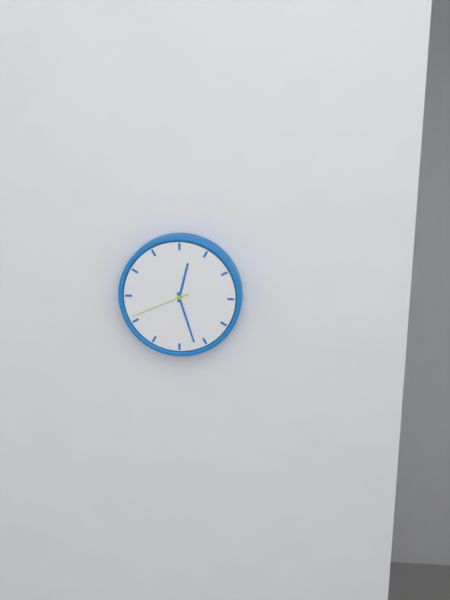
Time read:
12.27.41
